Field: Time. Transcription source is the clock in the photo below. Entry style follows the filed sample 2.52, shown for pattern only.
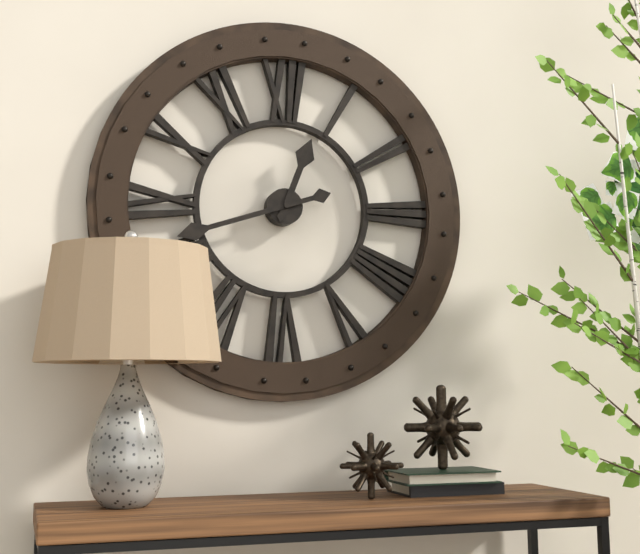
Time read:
12.42
